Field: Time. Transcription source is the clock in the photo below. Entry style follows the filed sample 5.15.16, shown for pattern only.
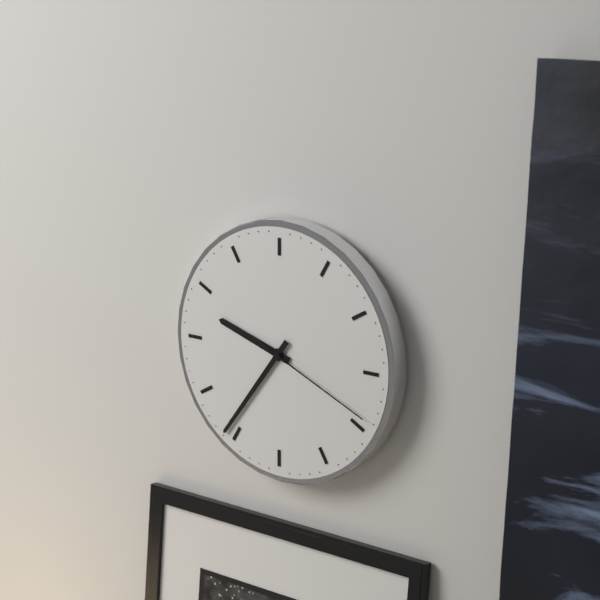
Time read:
9.36.19
